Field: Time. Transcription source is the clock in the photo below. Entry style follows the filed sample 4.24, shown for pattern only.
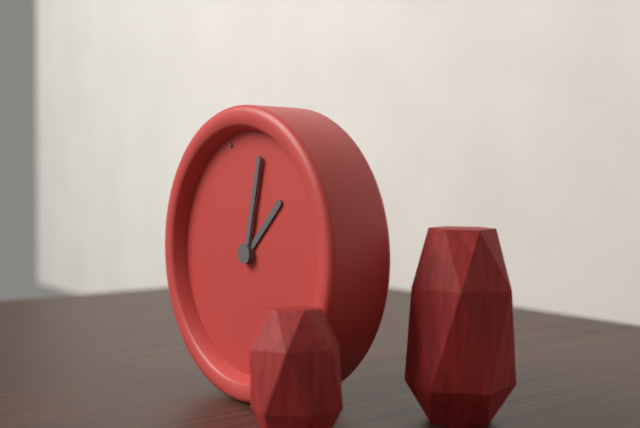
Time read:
2.05
